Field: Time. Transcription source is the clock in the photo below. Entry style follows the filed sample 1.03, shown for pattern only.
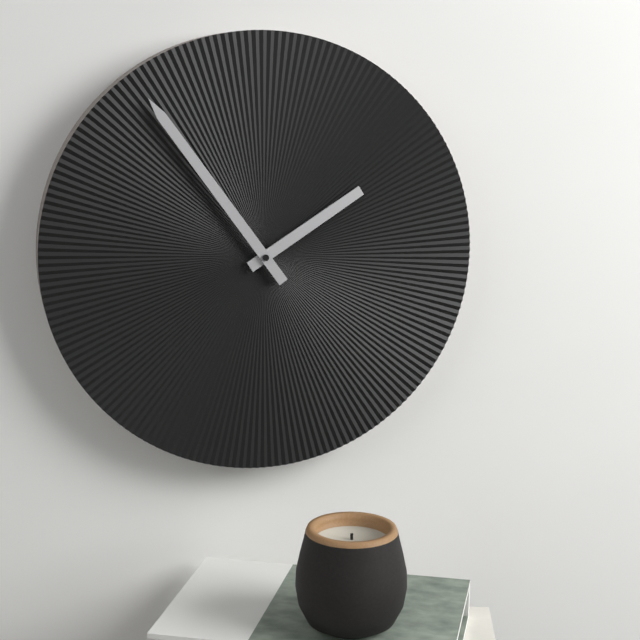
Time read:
1.54
